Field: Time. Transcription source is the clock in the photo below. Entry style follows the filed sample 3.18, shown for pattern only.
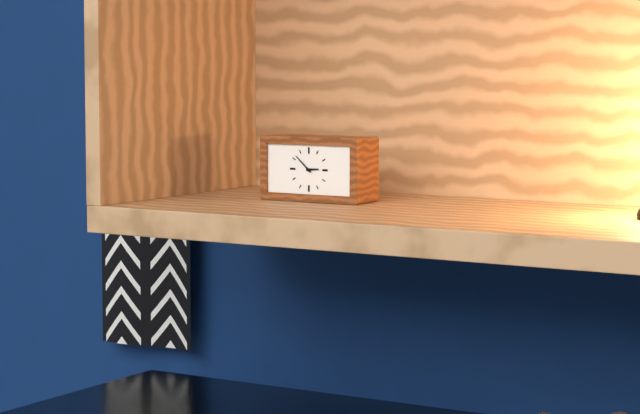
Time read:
2.52
